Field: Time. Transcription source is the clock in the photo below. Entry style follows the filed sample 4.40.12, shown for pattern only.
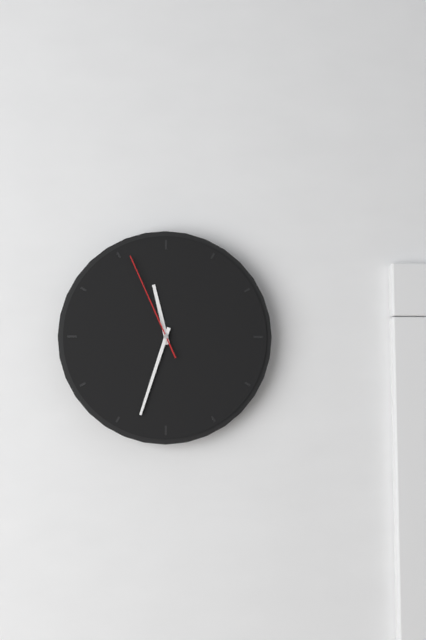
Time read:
11.33.56
